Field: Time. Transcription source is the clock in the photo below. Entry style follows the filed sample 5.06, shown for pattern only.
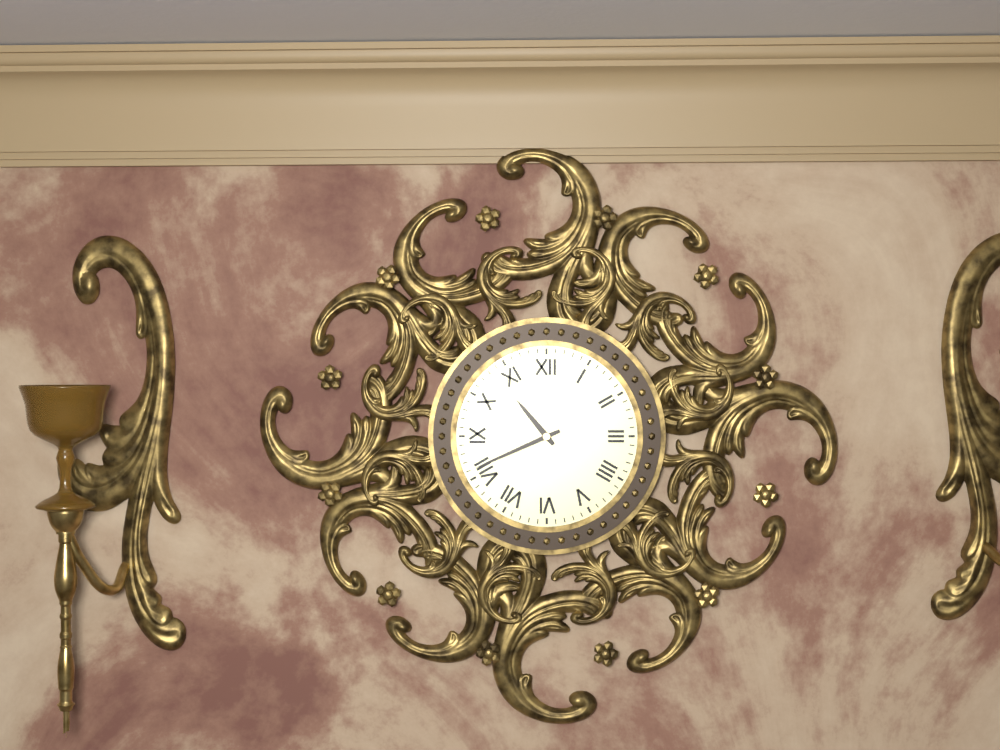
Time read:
10.41
